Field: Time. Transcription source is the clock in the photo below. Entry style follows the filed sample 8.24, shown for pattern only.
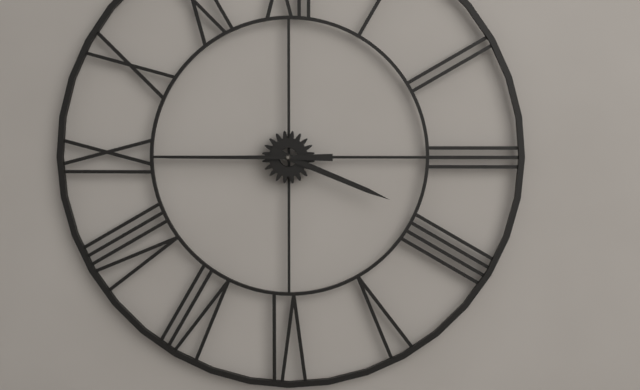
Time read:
3.45
